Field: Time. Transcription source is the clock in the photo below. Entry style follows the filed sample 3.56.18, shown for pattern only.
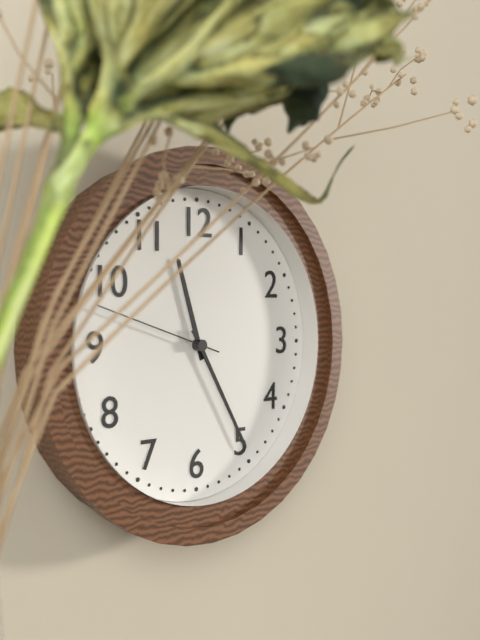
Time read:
11.25.48
